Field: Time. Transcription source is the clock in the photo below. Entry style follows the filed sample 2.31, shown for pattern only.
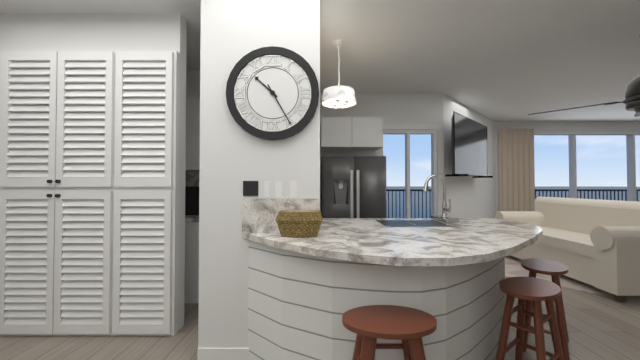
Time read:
10.25
